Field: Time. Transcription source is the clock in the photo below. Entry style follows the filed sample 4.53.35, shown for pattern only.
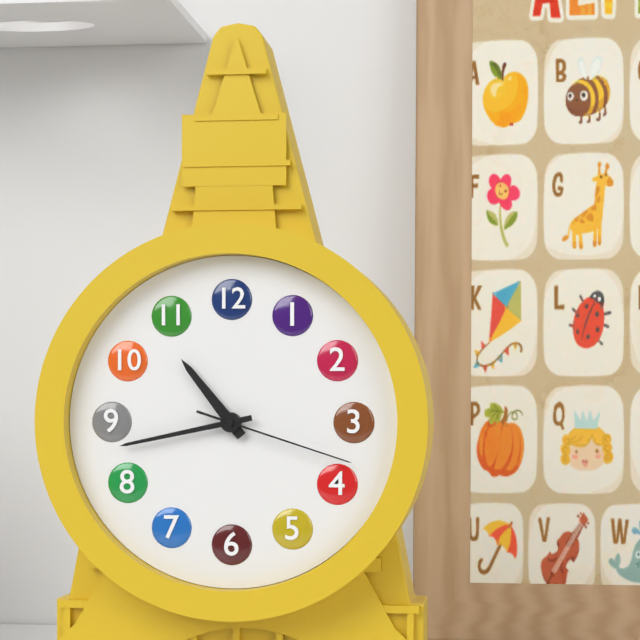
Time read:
10.43.18
